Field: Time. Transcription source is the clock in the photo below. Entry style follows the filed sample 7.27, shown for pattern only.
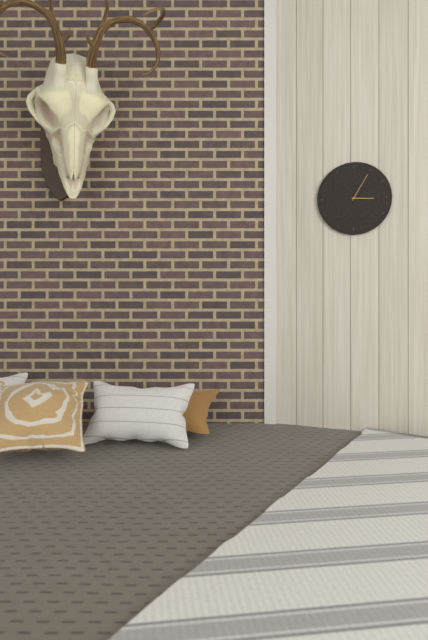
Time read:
3.05
